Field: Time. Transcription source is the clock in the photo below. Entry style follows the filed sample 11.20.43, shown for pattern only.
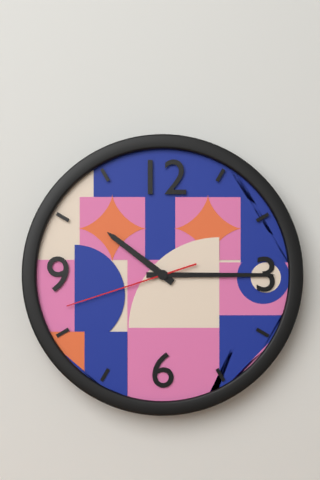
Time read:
10.15.42
